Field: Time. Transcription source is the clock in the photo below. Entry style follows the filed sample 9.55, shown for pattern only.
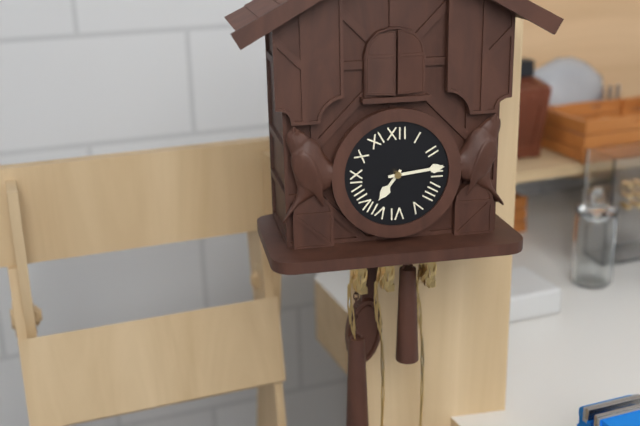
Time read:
7.14
